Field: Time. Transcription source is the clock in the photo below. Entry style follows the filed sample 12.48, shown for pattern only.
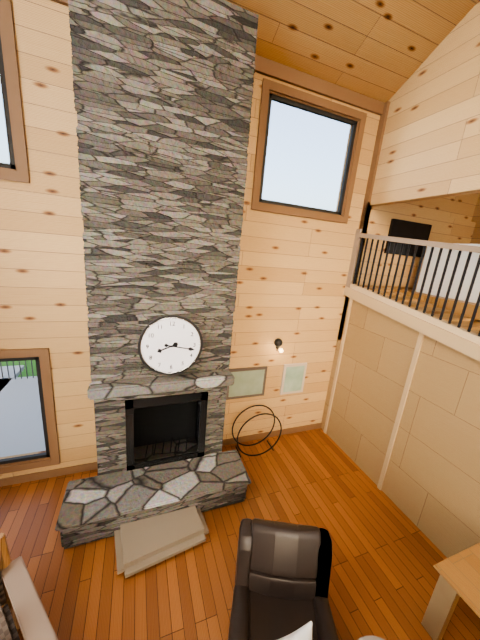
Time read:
8.17
